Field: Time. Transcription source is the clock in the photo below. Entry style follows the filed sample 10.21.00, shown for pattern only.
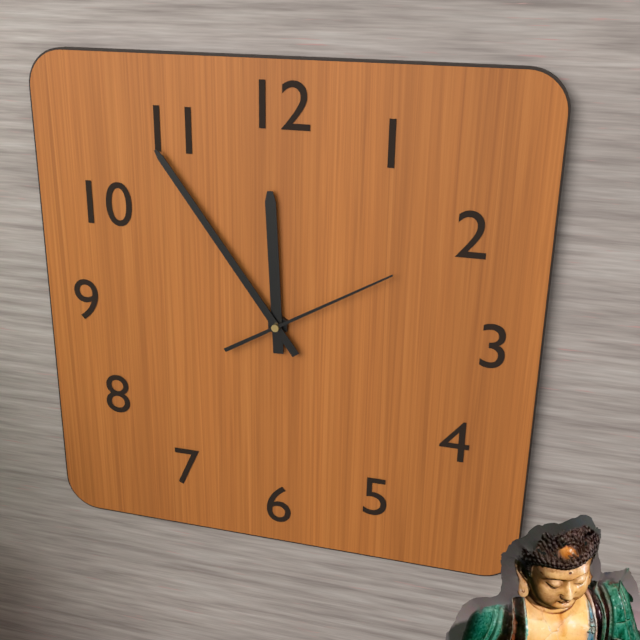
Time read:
11.54.10
